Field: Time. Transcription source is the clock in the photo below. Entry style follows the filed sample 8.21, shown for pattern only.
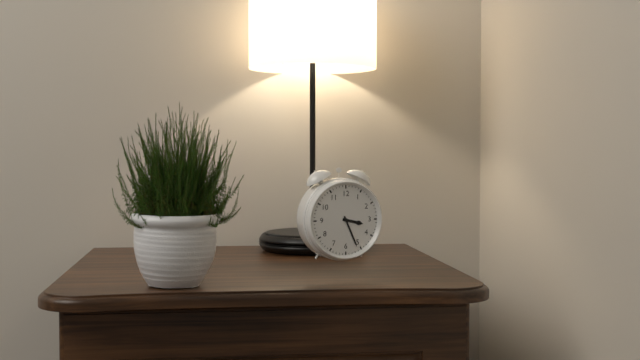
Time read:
3.26
